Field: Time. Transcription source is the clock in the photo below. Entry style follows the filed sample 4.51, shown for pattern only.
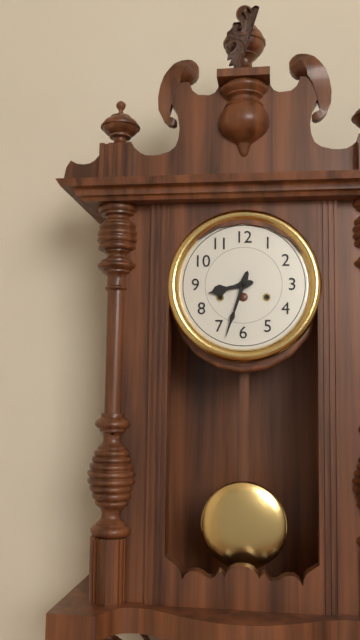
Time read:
8.33
